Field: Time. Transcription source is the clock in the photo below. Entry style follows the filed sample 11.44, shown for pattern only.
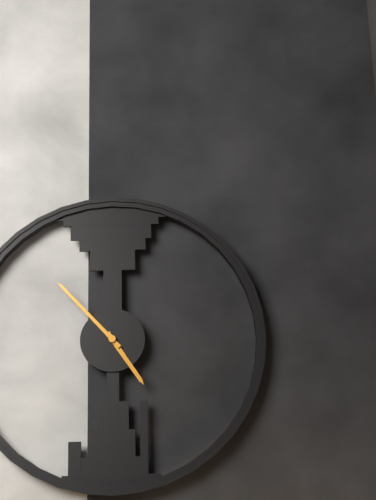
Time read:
4.53
